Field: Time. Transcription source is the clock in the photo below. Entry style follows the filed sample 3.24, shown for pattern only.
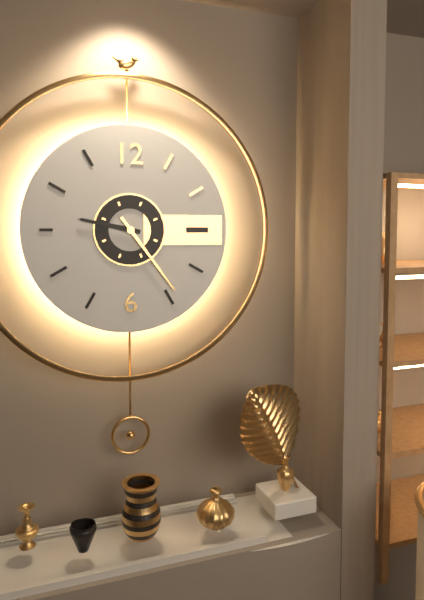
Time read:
9.24
